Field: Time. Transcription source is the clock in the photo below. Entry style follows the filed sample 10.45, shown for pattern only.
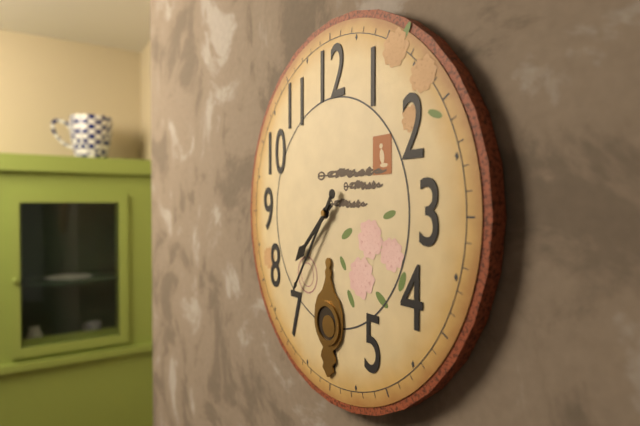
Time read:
7.36
